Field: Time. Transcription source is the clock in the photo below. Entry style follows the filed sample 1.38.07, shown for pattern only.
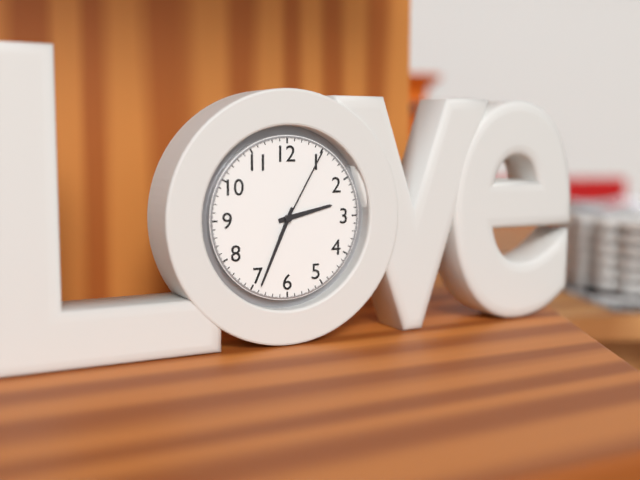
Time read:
2.34.05
